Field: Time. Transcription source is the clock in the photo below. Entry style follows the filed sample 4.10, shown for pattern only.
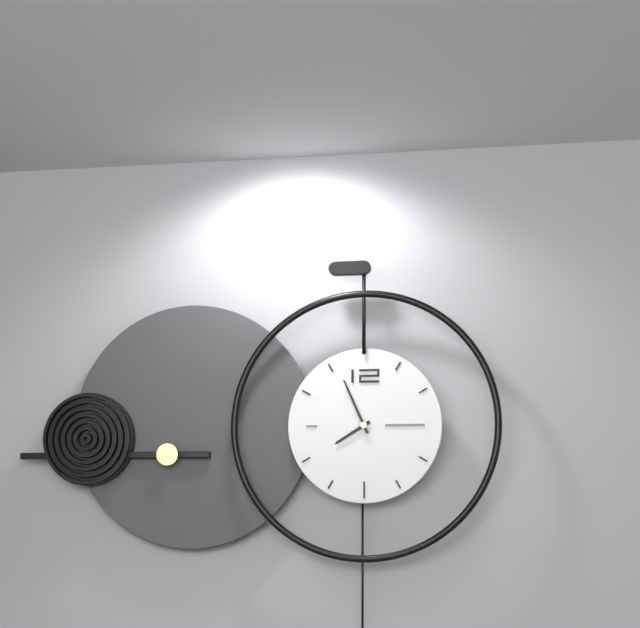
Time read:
7.56
